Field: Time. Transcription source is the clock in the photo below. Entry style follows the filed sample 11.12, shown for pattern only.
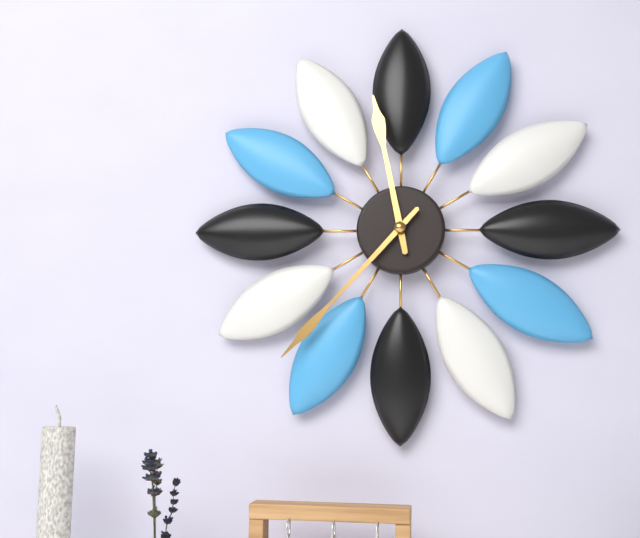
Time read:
11.37
